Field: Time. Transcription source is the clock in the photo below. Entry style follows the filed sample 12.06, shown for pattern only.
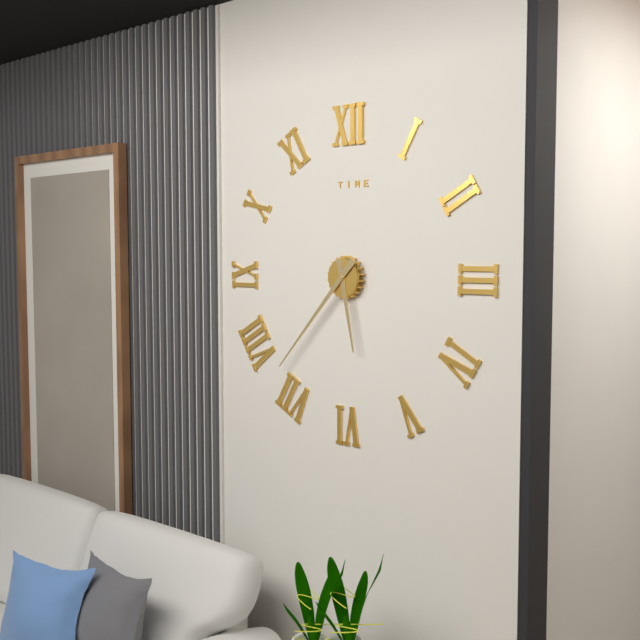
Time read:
5.37
